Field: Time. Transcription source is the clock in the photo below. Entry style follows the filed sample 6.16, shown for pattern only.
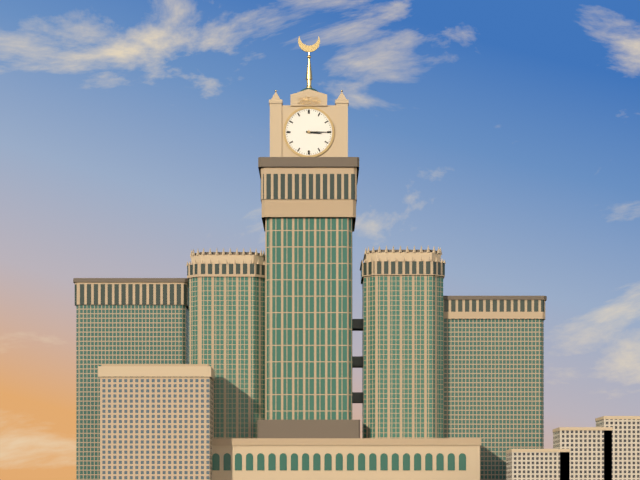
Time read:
3.15
